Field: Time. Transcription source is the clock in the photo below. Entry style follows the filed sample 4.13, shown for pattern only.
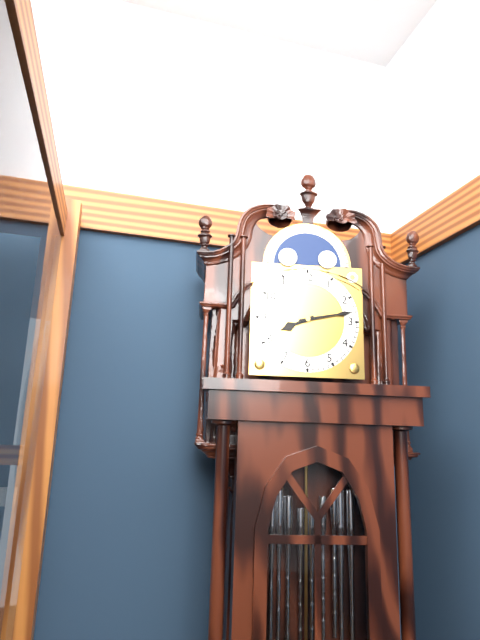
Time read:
8.13
